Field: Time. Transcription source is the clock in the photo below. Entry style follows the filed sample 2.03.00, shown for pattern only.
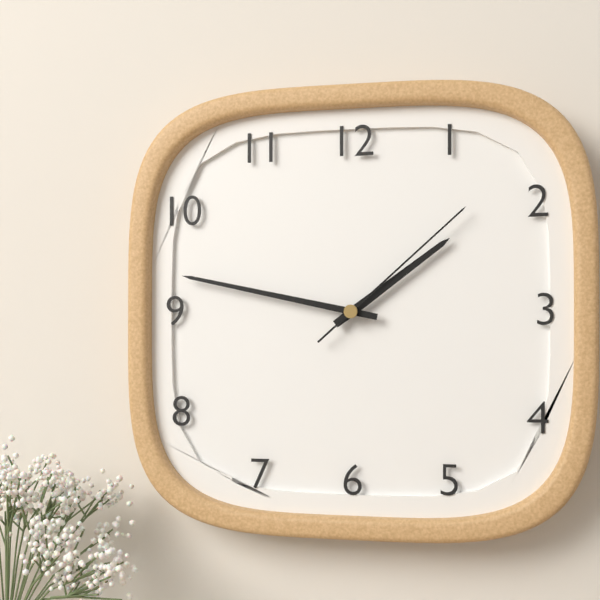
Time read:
1.47.08
